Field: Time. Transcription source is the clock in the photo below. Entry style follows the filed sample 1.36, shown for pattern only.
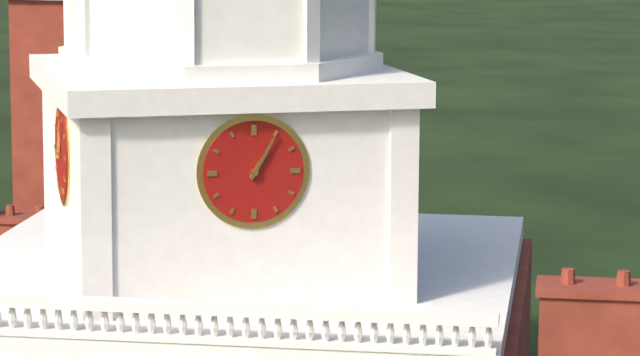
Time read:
1.05
